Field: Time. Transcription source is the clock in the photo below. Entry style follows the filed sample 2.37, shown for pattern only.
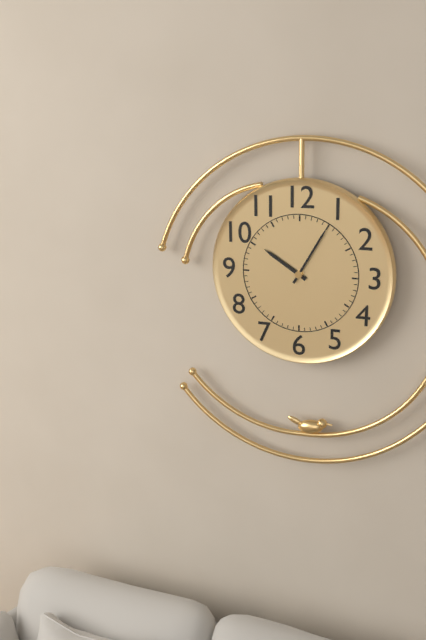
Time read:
10.05
